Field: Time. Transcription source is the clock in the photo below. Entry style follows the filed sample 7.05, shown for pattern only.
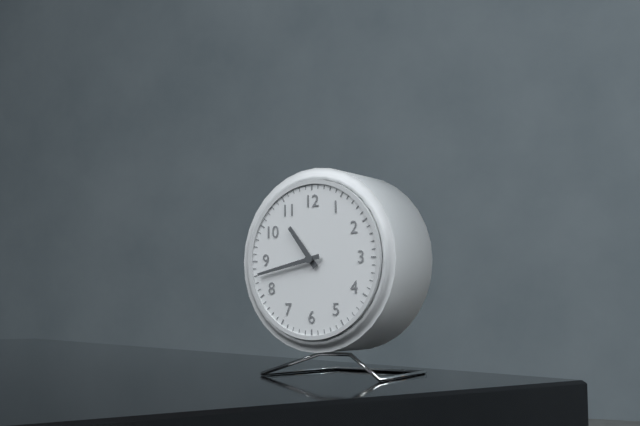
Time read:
10.43
